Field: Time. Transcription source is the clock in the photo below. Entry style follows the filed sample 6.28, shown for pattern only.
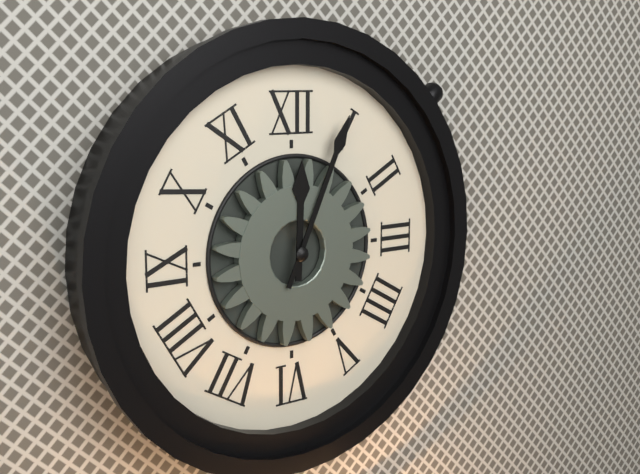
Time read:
12.04
